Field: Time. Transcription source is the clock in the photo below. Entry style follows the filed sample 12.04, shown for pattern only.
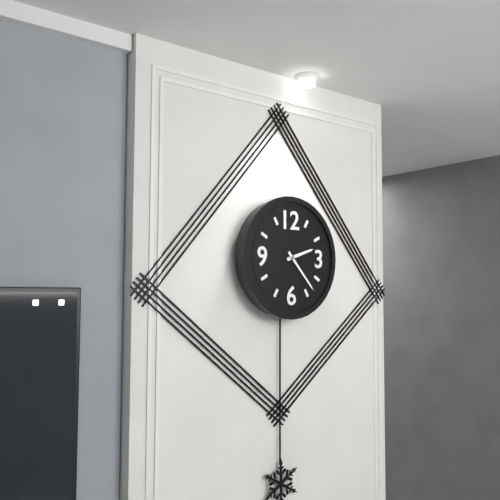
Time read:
2.23
